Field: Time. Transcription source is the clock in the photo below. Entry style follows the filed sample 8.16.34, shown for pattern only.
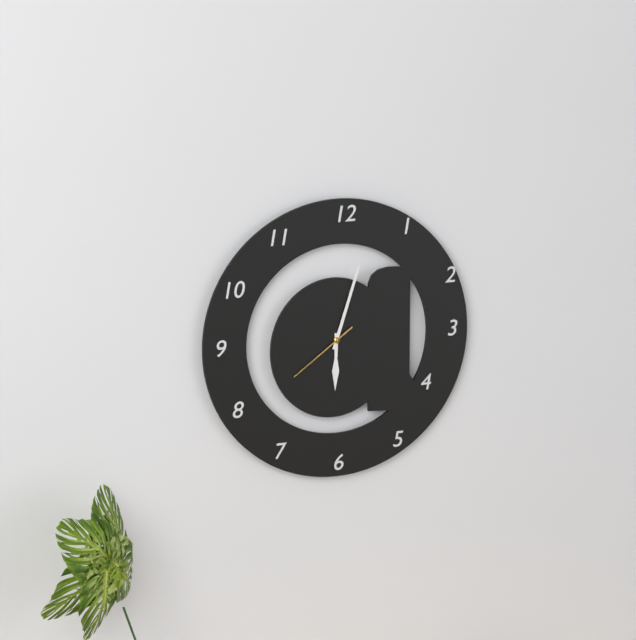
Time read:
6.03.39
